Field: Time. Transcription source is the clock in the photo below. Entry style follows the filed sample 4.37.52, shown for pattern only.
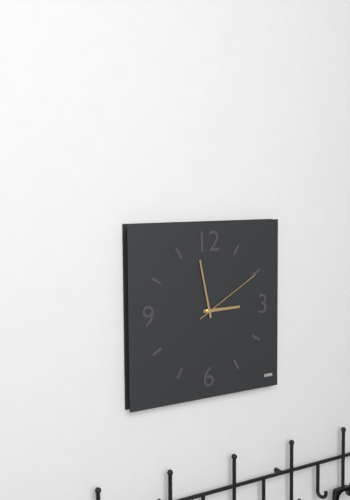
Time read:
2.58.10
